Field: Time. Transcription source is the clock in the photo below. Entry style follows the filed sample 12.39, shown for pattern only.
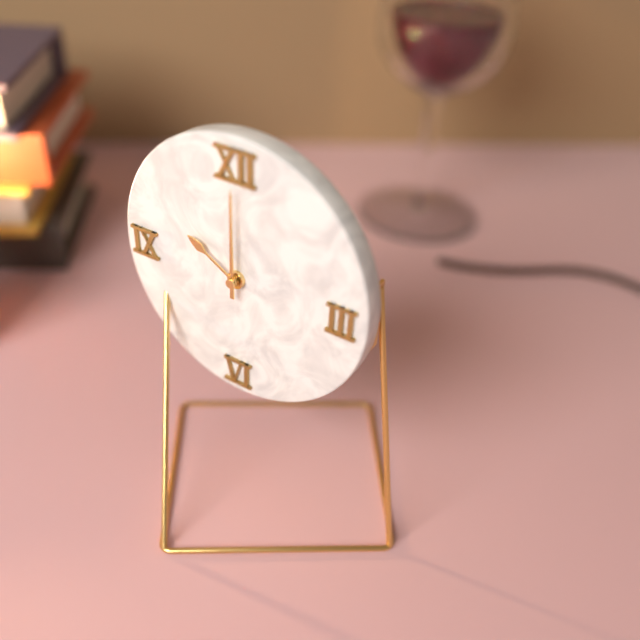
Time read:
10.00
